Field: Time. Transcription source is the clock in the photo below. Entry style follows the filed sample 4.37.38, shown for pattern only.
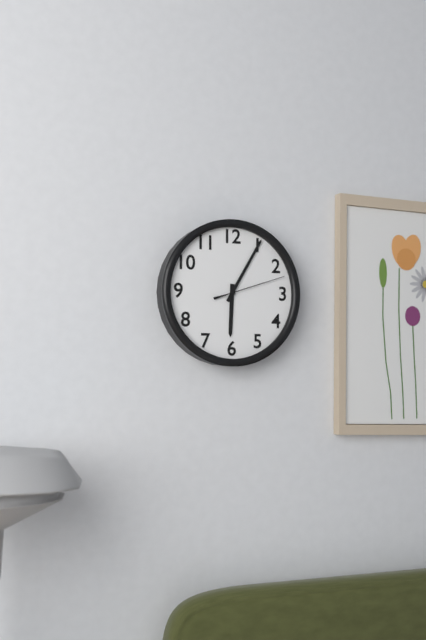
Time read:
6.05.12
